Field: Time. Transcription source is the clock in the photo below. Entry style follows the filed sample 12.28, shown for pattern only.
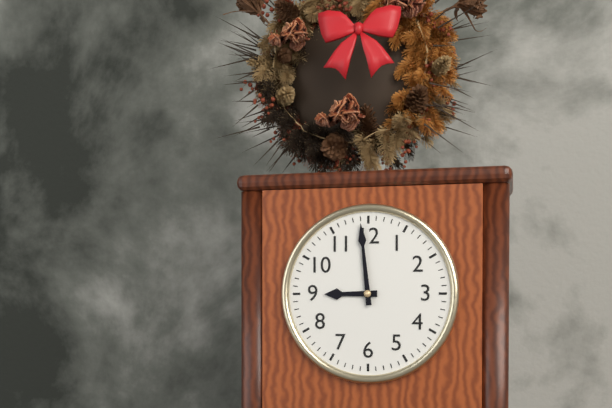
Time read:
8.59
